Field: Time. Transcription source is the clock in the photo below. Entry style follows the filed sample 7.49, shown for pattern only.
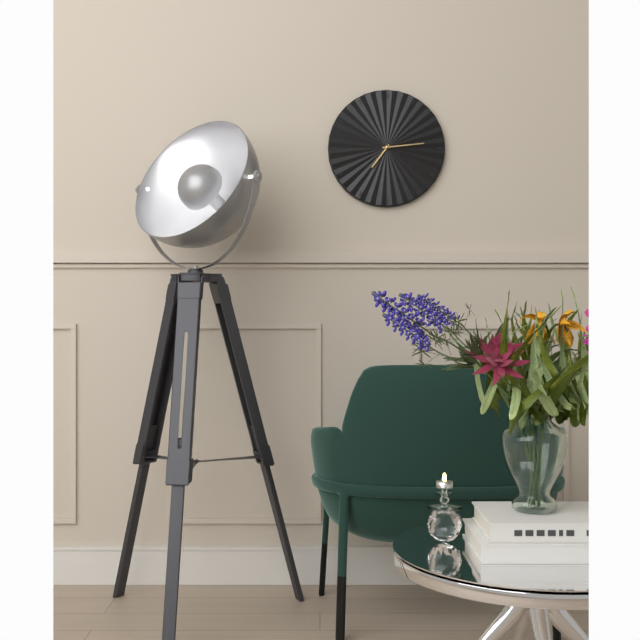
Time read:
7.14
